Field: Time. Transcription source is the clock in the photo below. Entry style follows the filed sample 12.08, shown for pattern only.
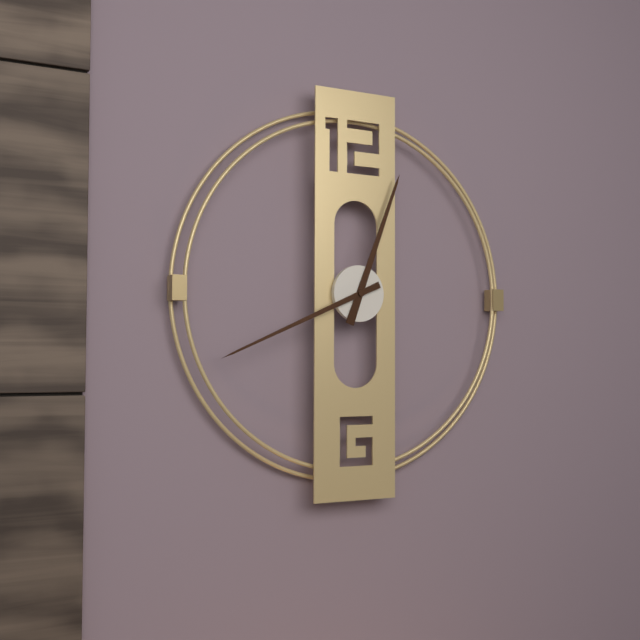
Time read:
12.41
